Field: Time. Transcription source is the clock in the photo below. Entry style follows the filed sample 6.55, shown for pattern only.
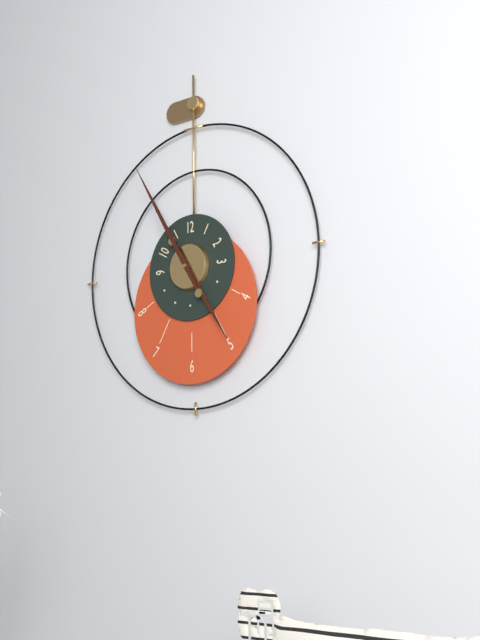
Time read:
4.55
